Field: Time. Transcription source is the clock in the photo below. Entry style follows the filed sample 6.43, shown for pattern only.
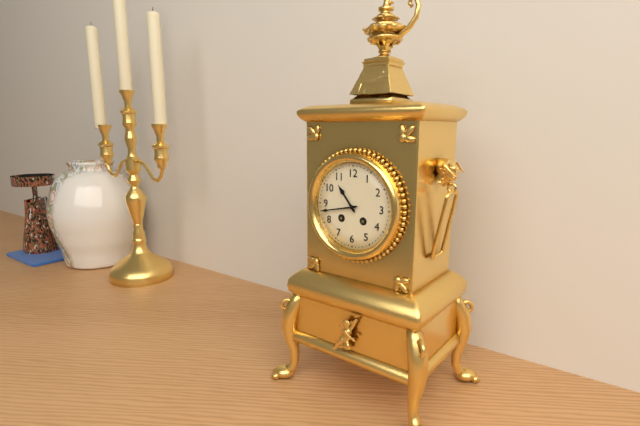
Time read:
10.43
